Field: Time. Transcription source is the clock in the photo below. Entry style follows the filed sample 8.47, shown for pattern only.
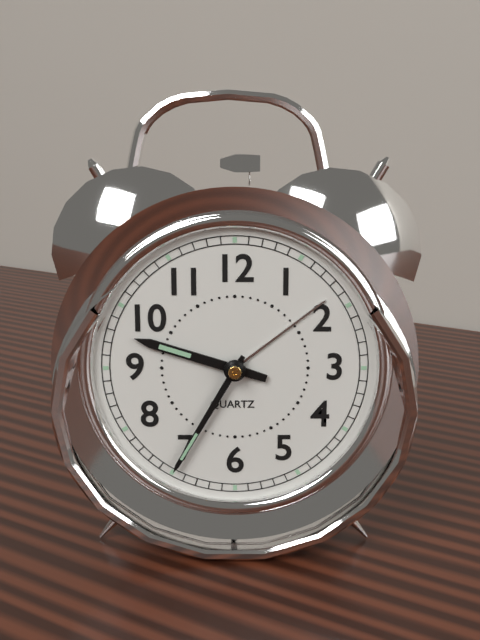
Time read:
9.35
